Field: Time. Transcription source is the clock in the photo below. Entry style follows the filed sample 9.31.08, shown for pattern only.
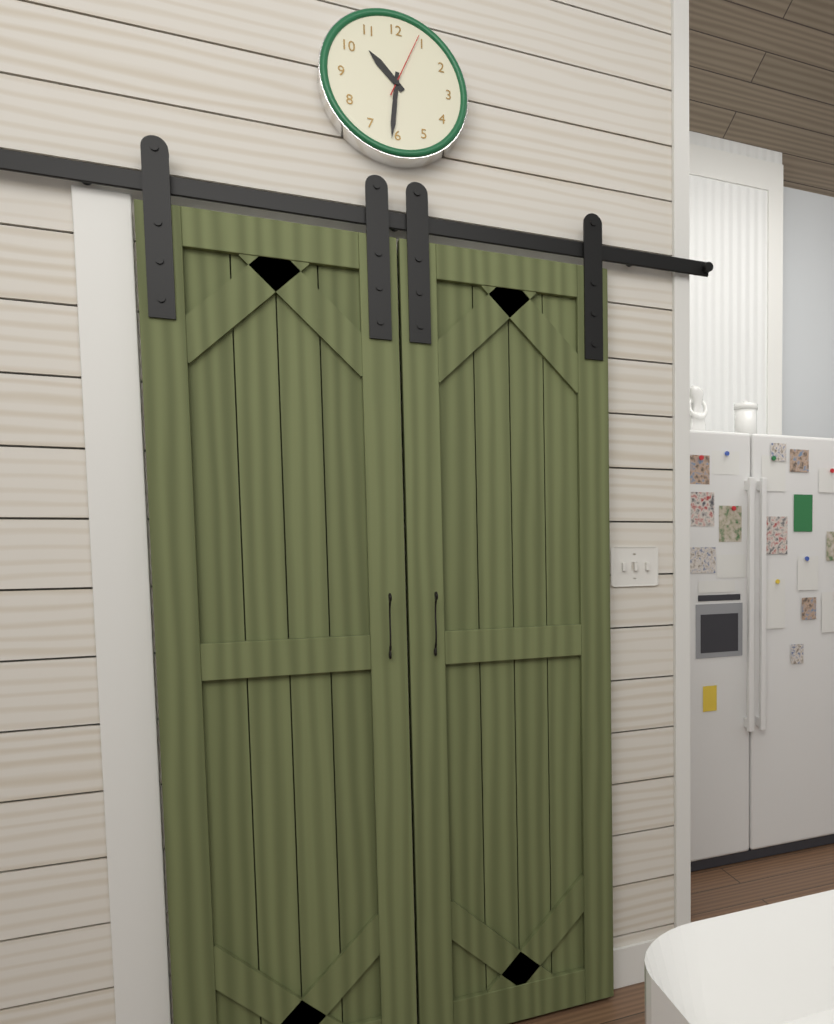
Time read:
10.31.04
